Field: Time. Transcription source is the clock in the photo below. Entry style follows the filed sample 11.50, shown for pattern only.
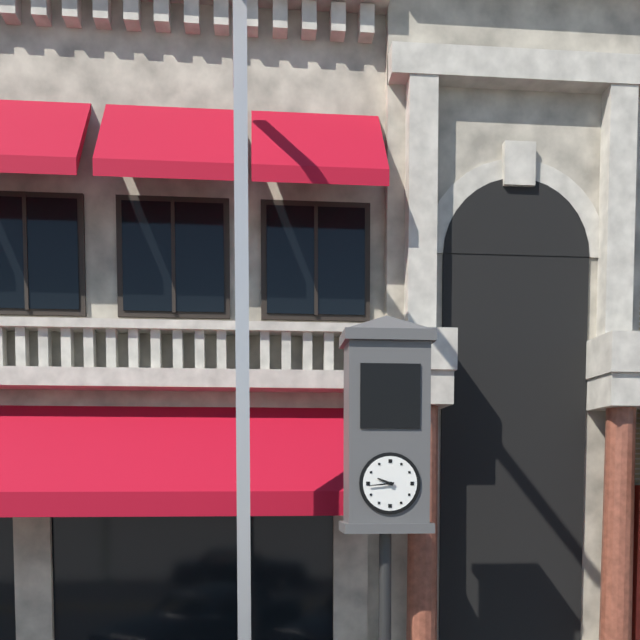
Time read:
9.44
